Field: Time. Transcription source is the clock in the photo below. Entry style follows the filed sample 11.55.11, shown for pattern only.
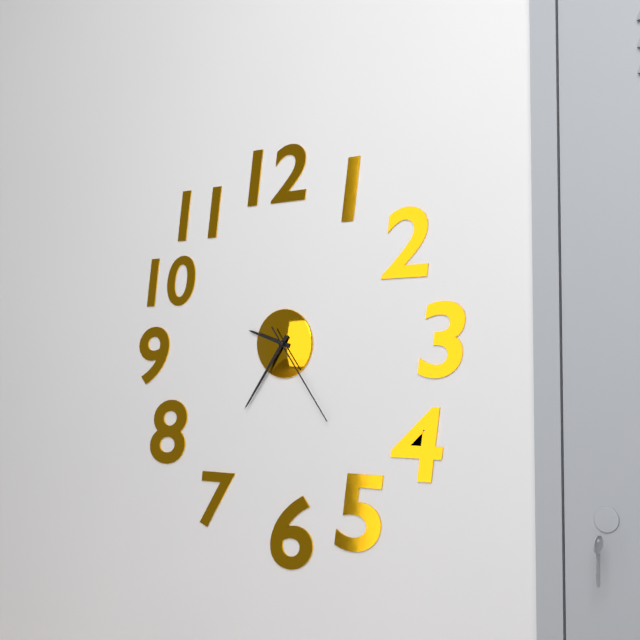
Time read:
9.36.24
